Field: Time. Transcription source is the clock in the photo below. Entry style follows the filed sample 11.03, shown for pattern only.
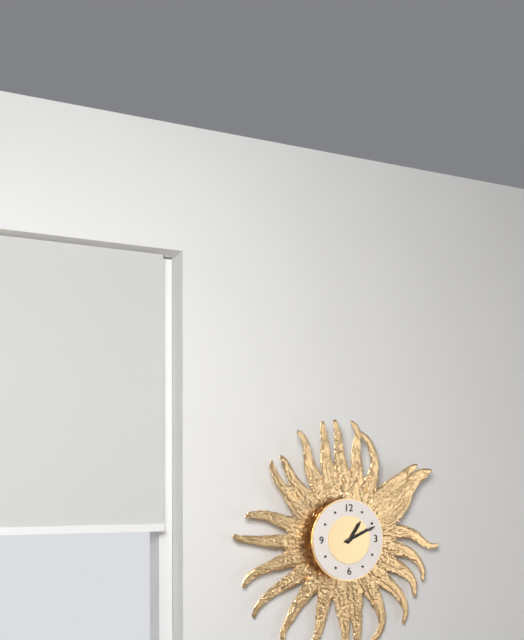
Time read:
1.11
